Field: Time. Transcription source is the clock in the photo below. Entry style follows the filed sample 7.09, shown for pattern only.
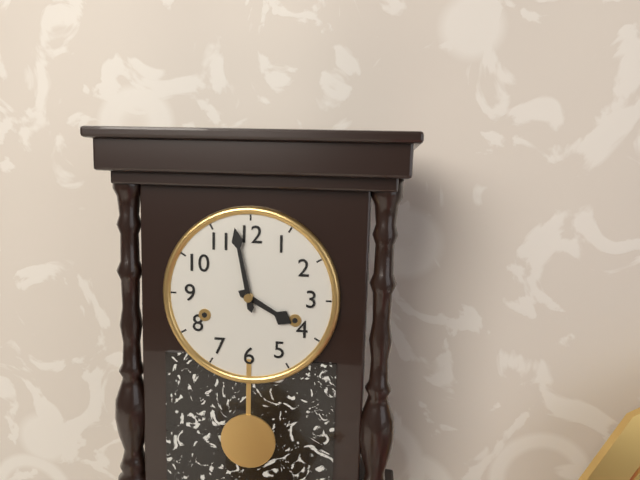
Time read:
3.58
